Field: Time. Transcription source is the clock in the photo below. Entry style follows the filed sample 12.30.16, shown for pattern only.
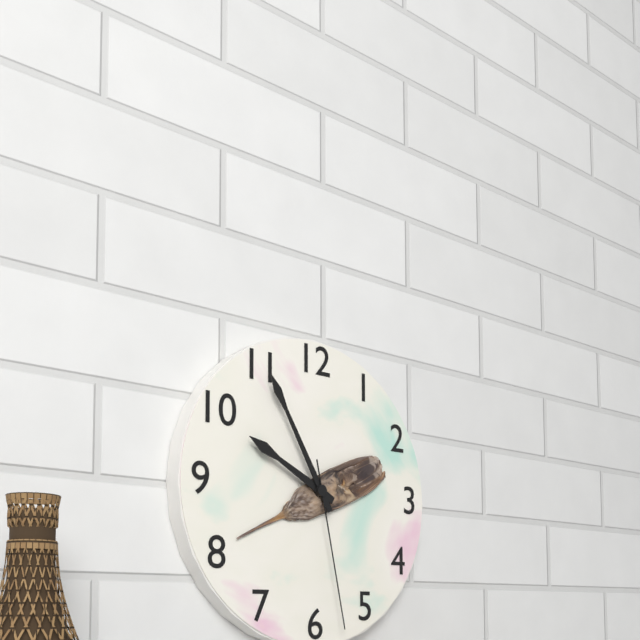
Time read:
9.55.28
